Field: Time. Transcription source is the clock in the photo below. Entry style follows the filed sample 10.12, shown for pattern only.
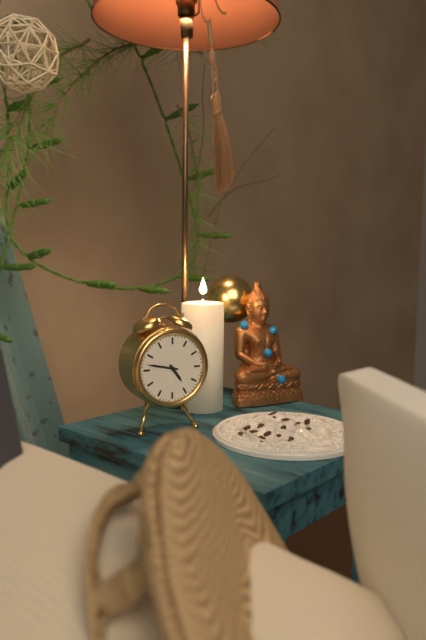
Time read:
4.47
